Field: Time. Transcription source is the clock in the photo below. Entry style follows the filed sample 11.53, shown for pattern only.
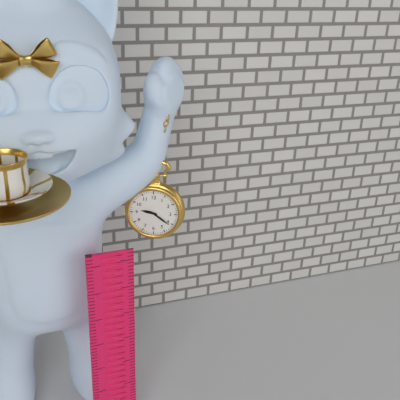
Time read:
9.21
